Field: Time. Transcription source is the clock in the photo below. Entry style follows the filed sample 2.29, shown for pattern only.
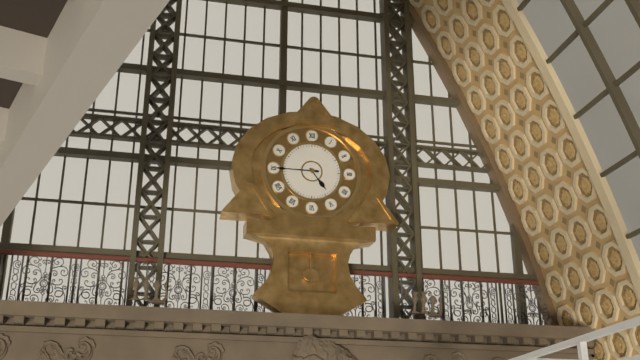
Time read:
4.45
